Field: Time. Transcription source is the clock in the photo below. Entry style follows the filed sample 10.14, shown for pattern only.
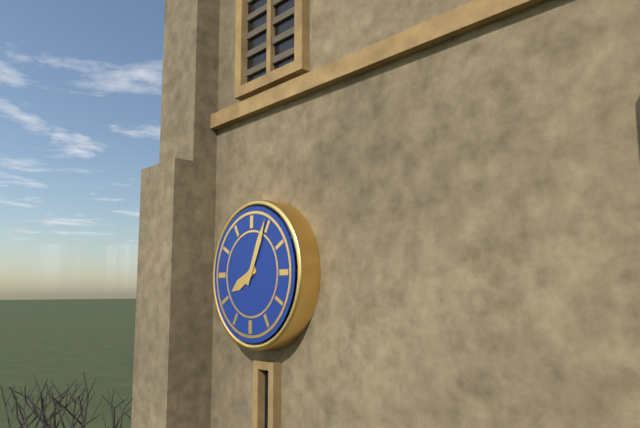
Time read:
8.04
